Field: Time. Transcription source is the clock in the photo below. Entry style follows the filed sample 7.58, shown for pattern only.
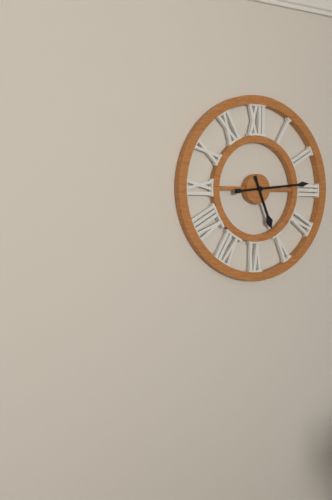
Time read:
5.14
